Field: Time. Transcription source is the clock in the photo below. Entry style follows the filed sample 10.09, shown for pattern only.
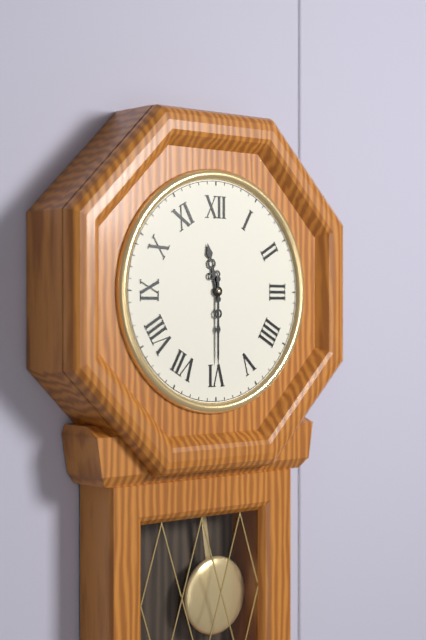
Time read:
11.30
